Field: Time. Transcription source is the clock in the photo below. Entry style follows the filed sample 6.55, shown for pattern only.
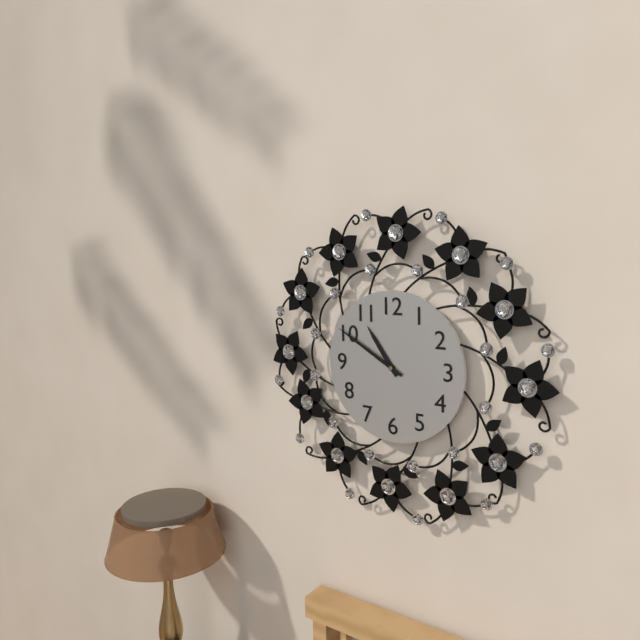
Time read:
10.50
